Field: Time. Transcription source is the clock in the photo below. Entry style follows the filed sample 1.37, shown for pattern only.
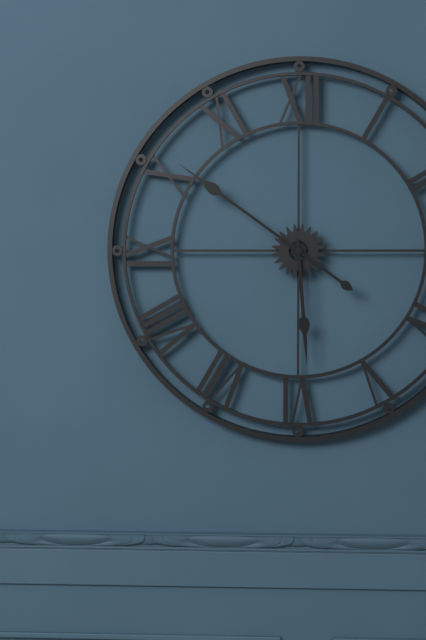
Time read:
5.51
